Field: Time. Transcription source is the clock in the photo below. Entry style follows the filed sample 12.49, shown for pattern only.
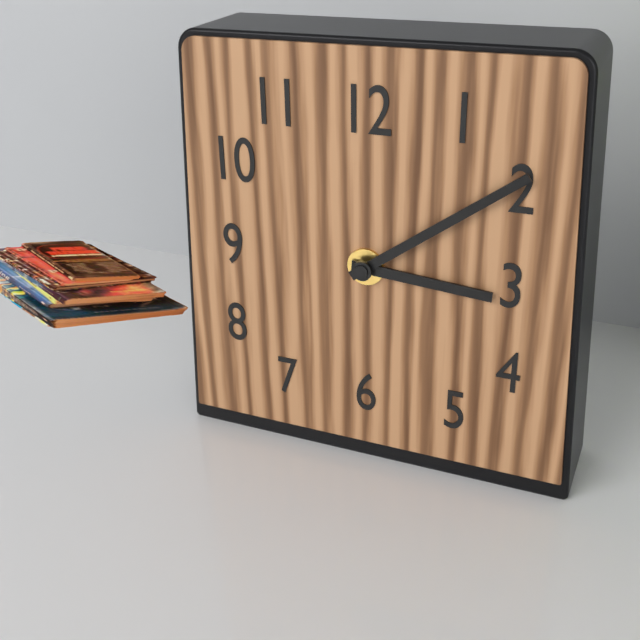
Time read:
3.09
